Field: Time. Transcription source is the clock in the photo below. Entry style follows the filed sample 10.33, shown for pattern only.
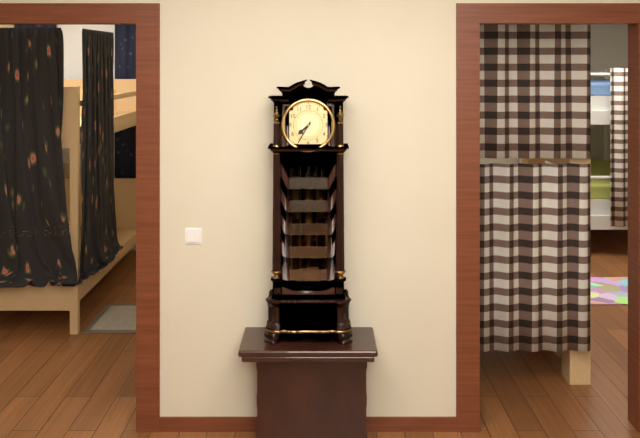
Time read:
7.35
